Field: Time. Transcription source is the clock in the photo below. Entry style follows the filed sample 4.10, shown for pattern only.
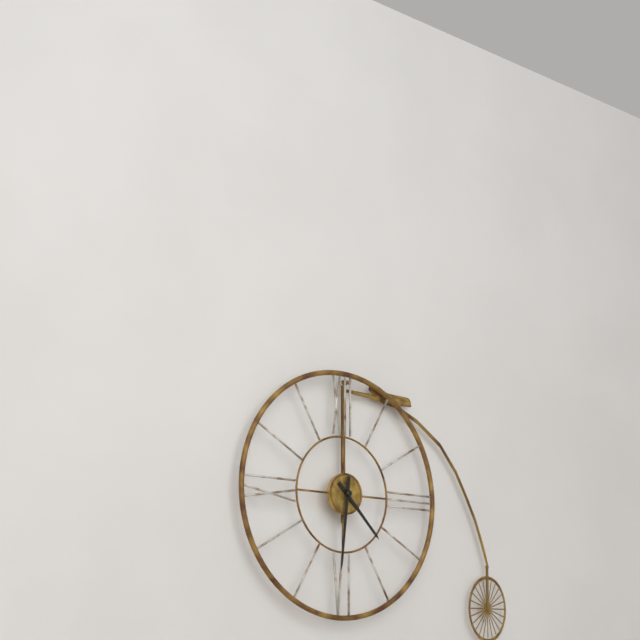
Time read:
4.31
